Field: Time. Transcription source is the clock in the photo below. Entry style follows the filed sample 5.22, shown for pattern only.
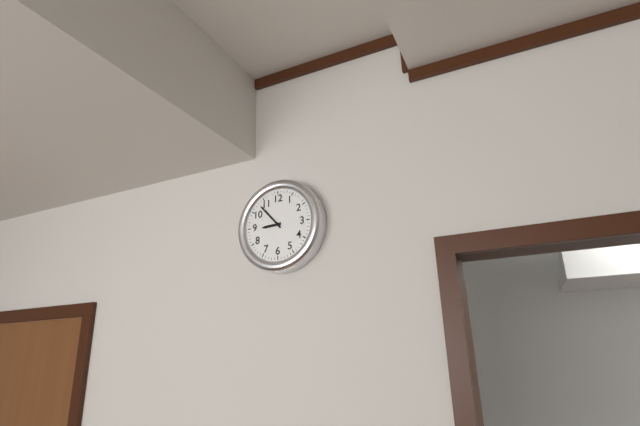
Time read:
8.53
